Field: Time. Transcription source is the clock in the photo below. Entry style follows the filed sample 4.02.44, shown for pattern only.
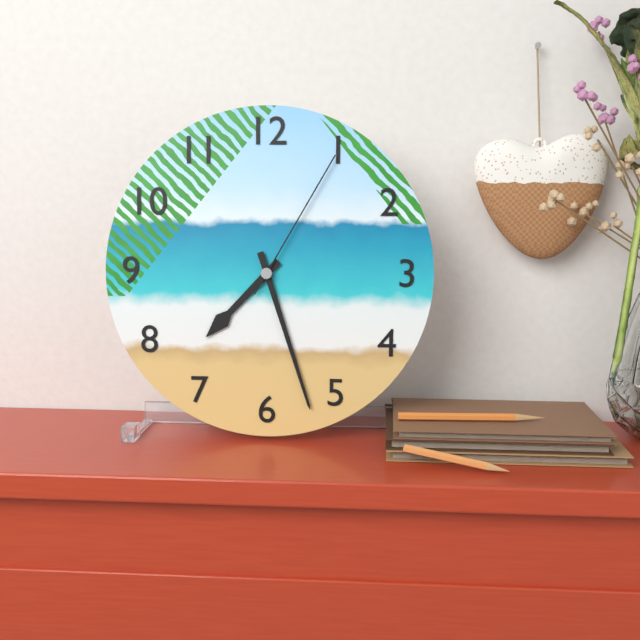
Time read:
7.27.05
